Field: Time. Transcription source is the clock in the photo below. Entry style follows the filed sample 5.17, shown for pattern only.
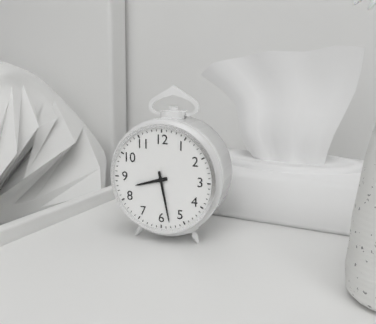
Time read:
8.28
